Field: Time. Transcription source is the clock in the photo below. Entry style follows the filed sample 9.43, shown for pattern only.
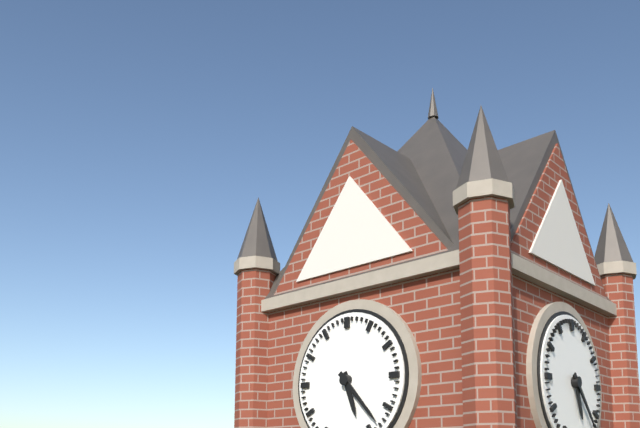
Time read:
5.23
